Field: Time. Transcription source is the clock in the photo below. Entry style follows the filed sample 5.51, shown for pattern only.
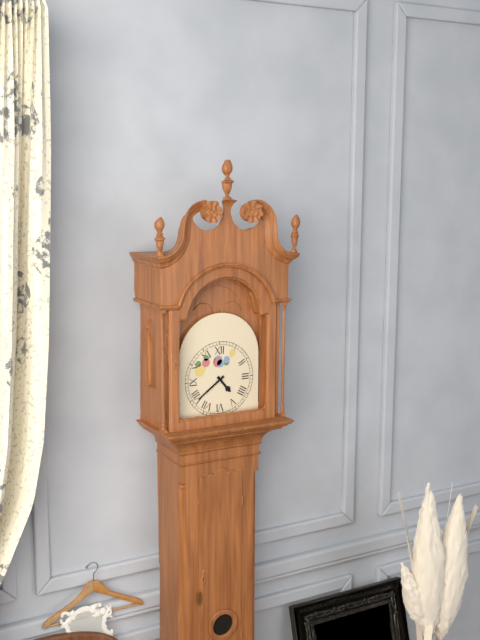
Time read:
4.39
